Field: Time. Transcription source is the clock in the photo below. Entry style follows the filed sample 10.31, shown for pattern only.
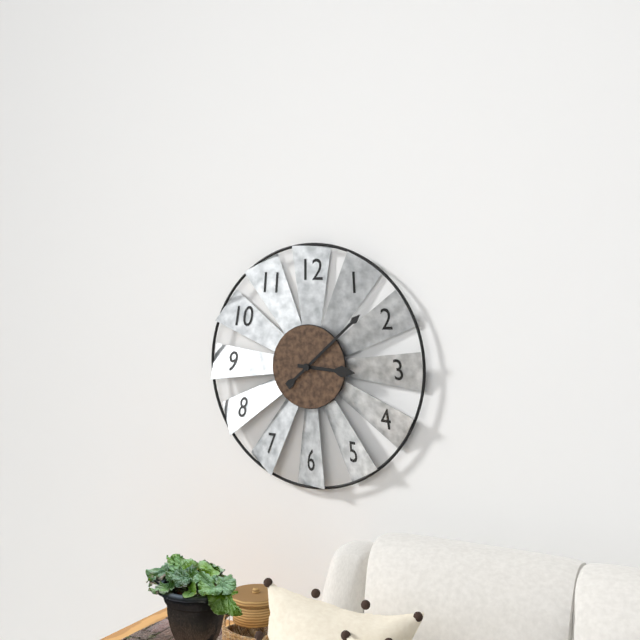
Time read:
3.08
